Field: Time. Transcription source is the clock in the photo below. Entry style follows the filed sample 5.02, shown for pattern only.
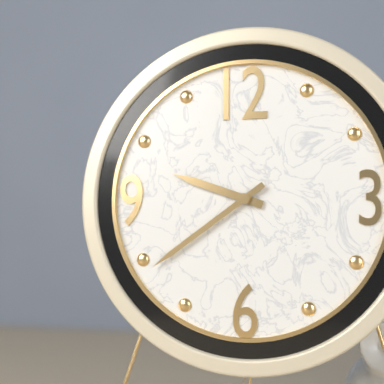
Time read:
9.39
